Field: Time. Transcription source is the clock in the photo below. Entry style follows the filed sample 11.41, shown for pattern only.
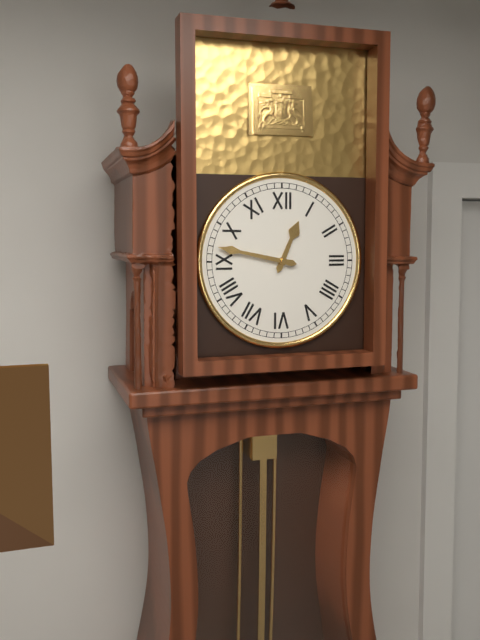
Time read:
12.47
